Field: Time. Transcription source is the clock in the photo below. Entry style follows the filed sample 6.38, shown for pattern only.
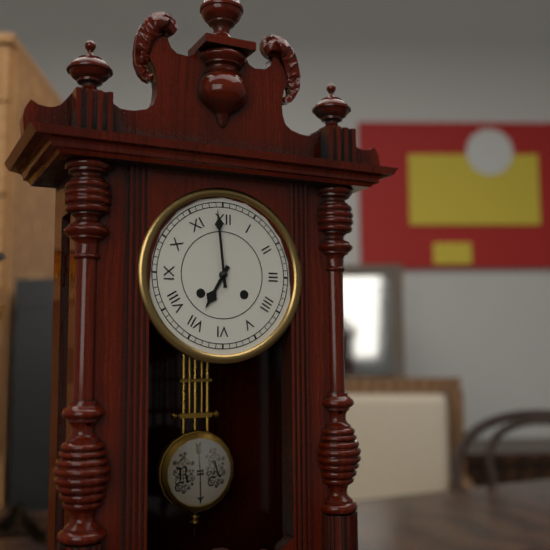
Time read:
6.59
